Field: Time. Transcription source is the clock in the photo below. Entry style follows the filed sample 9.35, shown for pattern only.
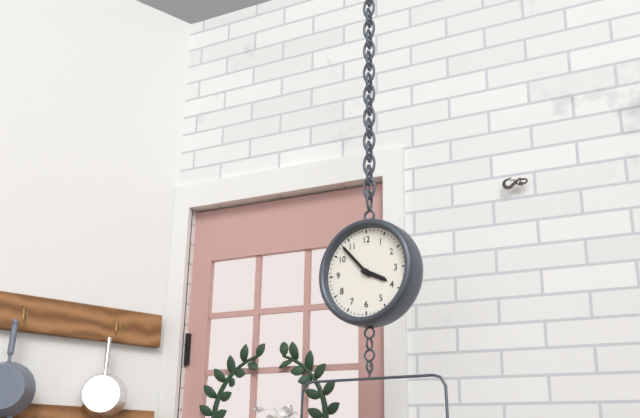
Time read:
3.53
